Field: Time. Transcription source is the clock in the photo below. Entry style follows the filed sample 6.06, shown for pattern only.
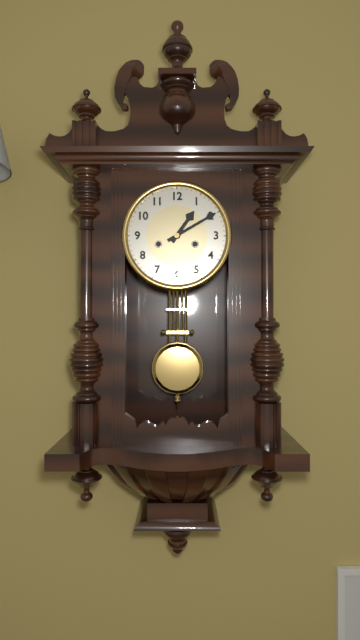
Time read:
1.10
